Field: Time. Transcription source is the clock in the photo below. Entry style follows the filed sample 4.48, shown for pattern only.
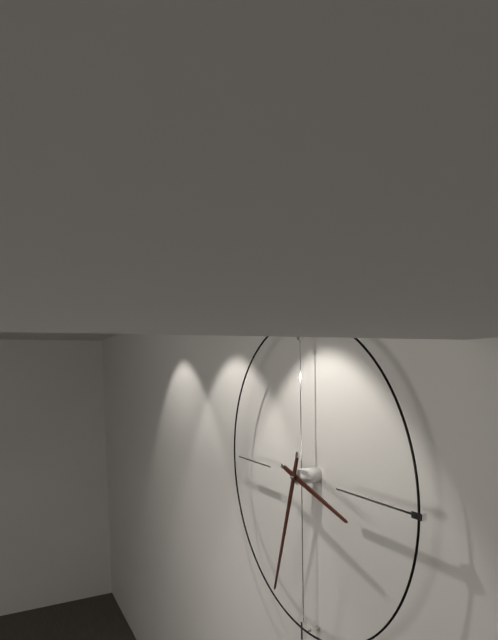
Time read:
3.33
